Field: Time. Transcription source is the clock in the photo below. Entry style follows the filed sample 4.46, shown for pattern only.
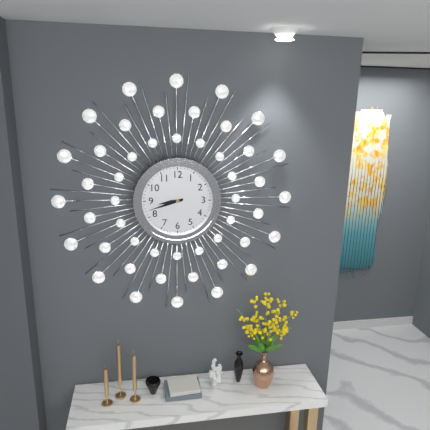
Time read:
8.42
